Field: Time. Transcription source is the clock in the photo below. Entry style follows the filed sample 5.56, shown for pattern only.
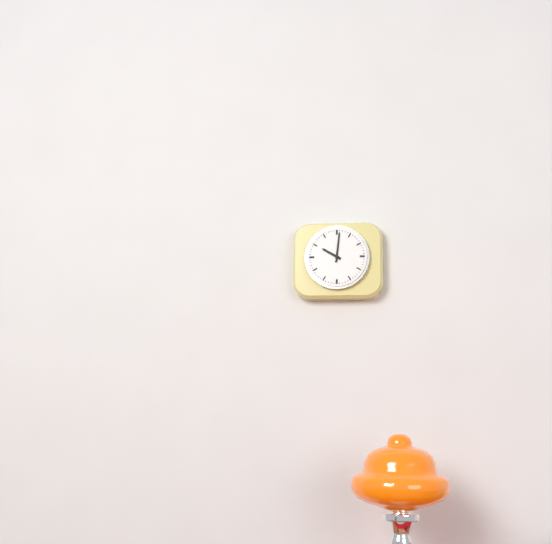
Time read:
10.01
